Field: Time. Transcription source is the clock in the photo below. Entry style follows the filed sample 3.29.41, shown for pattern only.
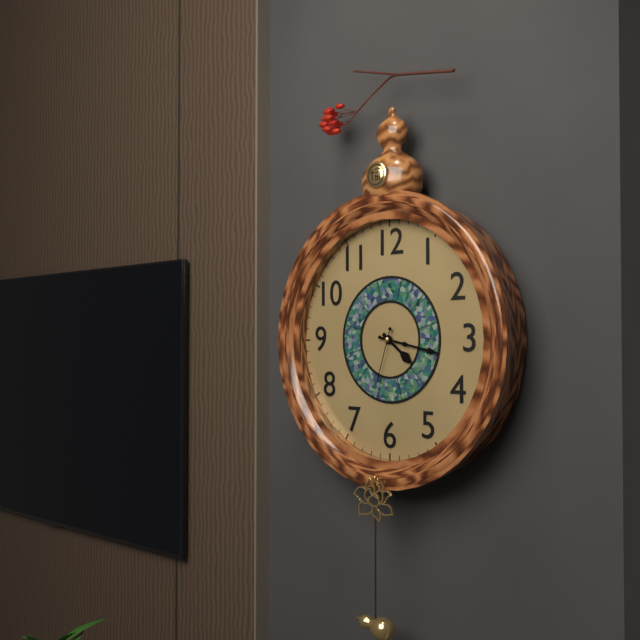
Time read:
4.17.33
